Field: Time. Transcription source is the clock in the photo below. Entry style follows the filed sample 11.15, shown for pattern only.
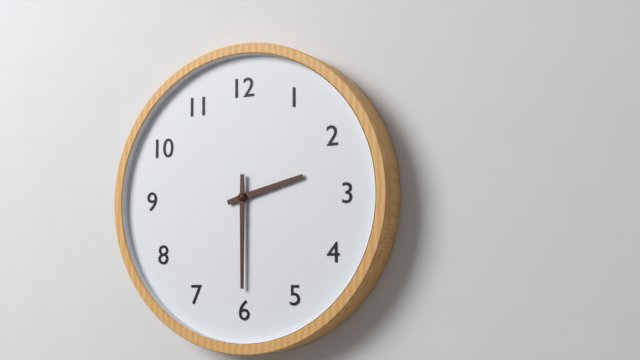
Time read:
2.30
